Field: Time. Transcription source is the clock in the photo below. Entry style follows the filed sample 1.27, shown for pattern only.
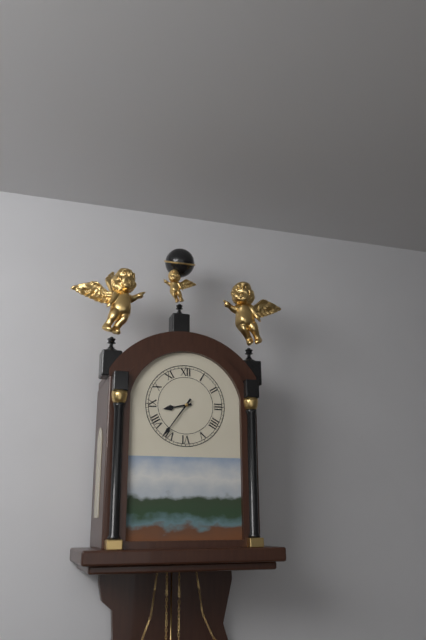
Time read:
8.36
